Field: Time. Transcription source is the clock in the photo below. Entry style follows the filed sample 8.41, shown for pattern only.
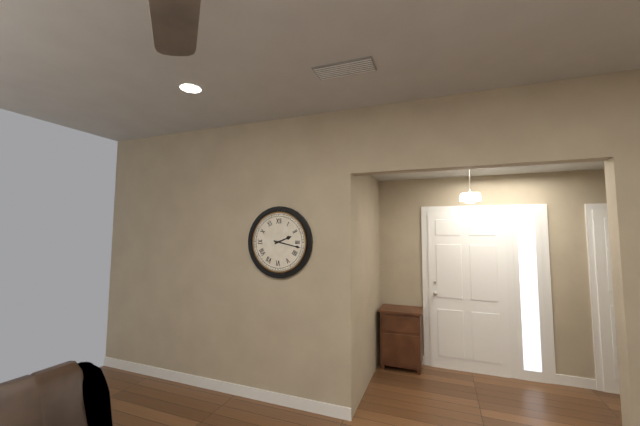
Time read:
2.17
